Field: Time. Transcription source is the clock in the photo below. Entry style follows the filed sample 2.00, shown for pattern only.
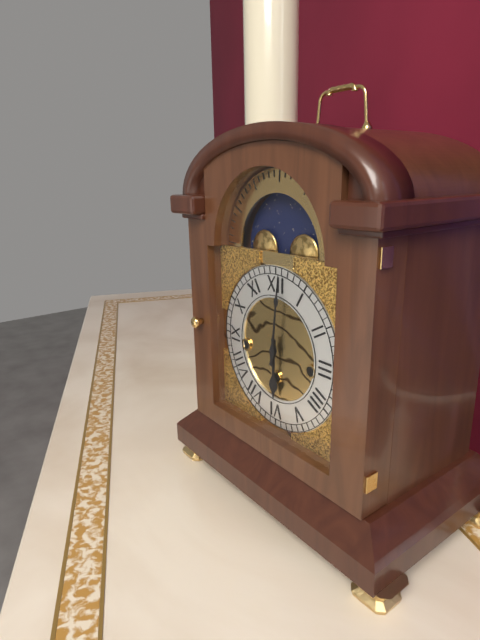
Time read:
6.01
